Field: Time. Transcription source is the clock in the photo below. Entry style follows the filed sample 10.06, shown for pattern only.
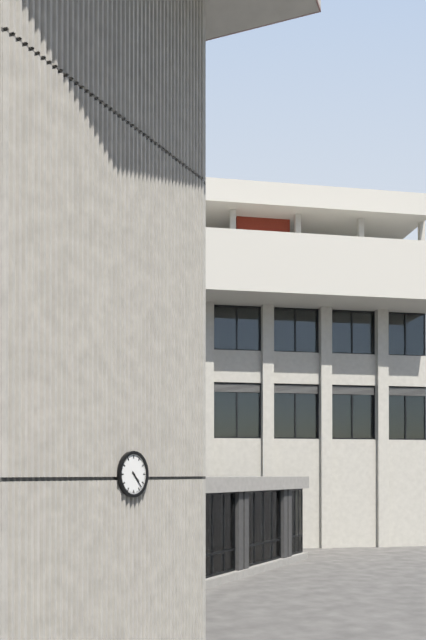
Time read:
4.23
